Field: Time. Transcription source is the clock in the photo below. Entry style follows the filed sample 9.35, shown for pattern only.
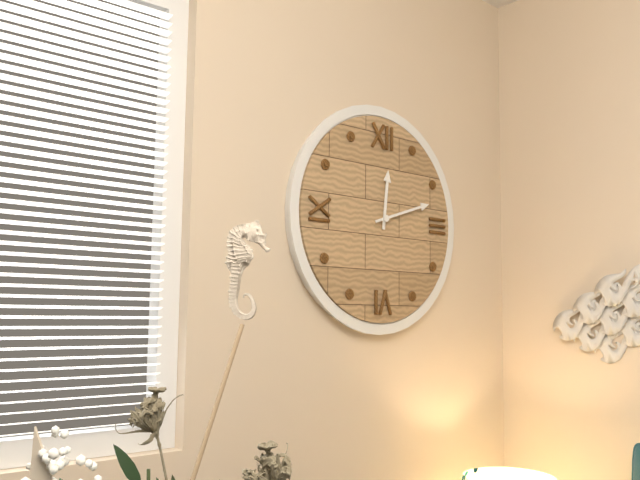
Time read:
12.12
